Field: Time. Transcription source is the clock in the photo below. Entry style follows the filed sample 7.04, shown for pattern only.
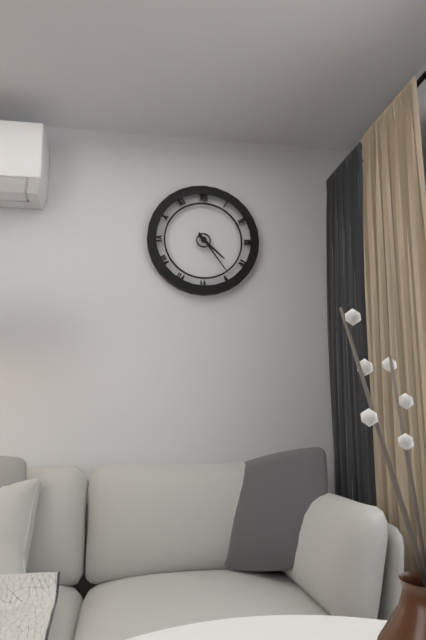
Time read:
4.24
